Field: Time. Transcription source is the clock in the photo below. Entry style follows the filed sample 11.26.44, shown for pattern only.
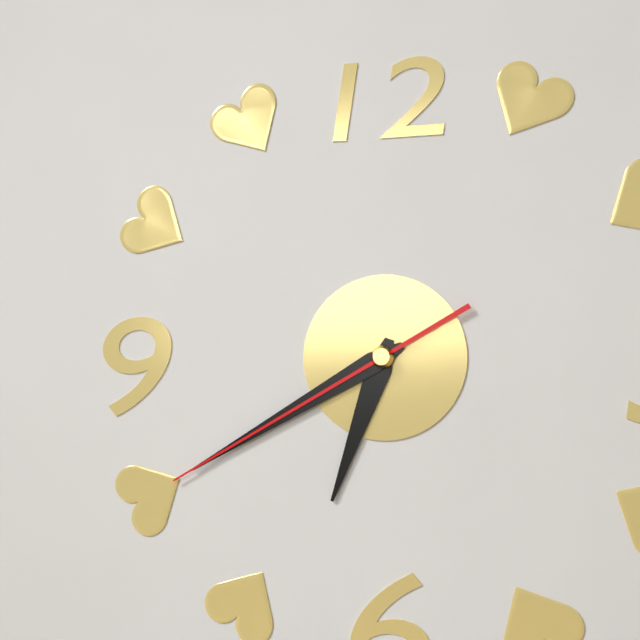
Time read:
6.40.40
